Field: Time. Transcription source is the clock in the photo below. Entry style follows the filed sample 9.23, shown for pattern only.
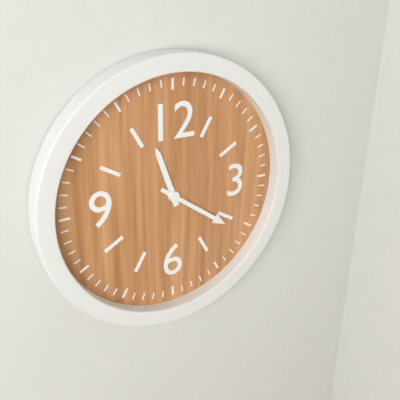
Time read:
11.21
